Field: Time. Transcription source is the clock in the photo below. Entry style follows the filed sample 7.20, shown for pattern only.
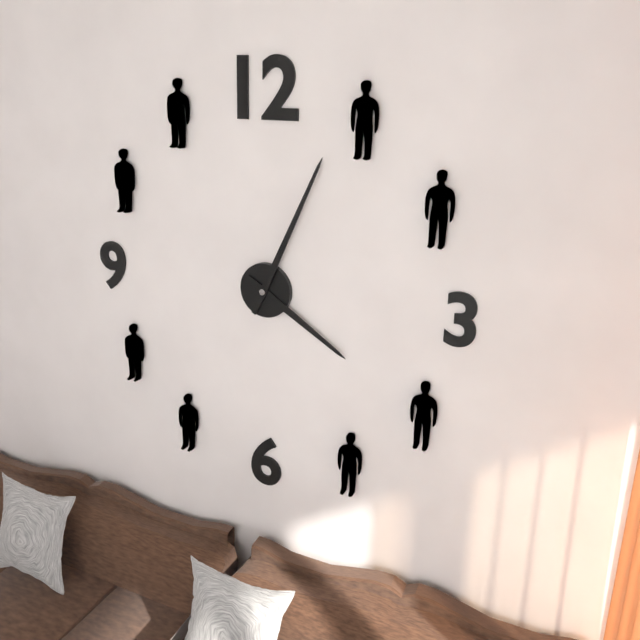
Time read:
4.04
